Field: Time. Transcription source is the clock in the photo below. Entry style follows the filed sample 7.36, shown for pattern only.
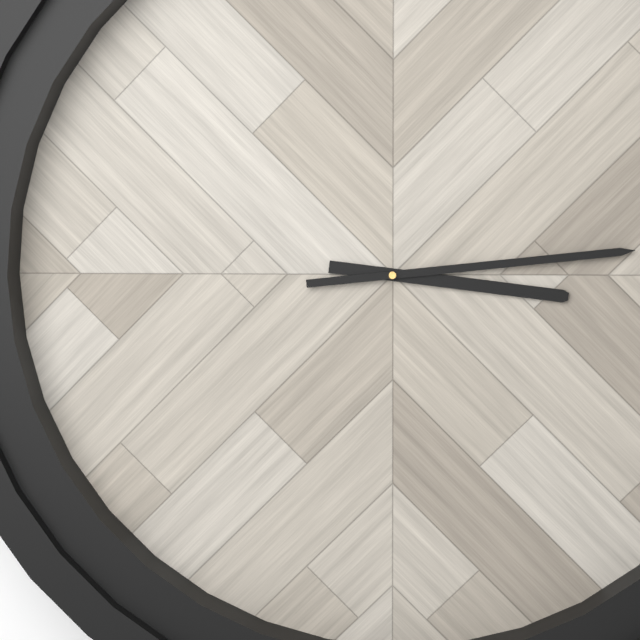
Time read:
3.14
